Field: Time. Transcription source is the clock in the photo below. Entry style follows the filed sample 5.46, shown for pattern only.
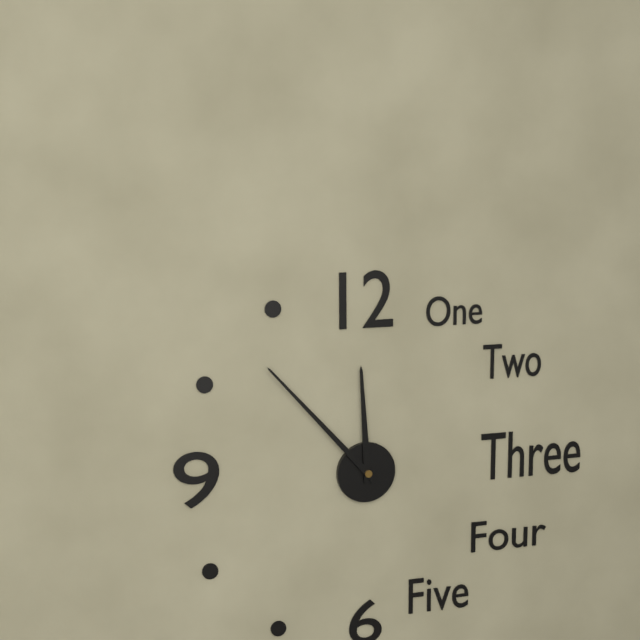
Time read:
11.53
